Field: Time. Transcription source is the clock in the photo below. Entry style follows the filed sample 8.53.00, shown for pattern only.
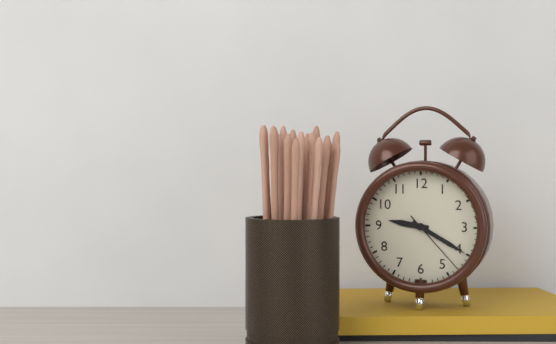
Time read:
9.20.23
